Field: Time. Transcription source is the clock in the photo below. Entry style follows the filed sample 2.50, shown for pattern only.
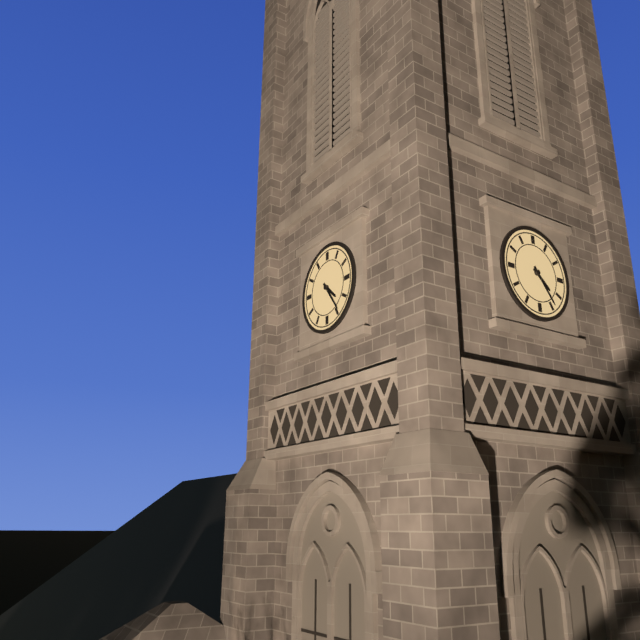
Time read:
4.24
